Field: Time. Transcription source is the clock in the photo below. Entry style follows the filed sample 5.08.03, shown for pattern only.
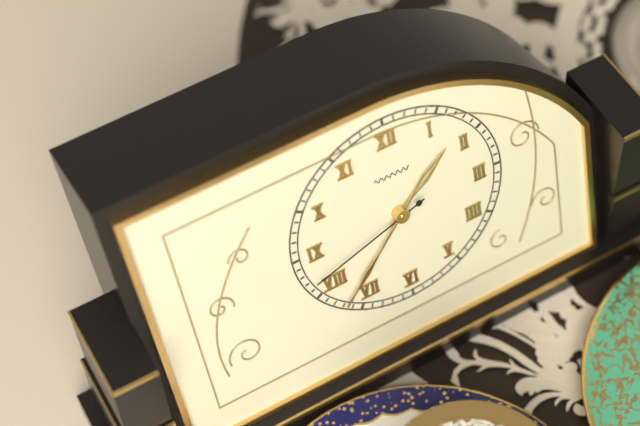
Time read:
1.37.42
